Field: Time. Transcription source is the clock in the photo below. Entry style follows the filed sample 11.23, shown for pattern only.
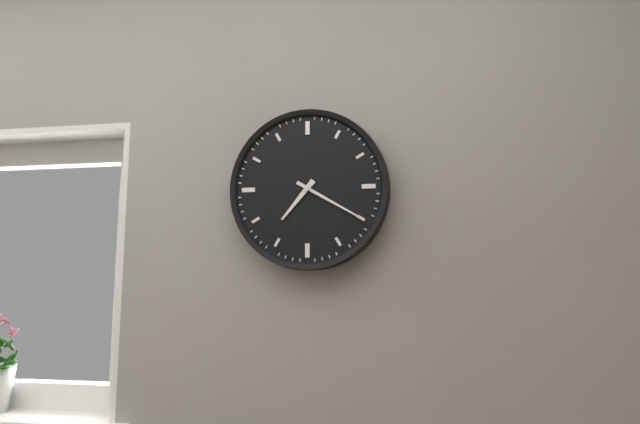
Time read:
7.20
